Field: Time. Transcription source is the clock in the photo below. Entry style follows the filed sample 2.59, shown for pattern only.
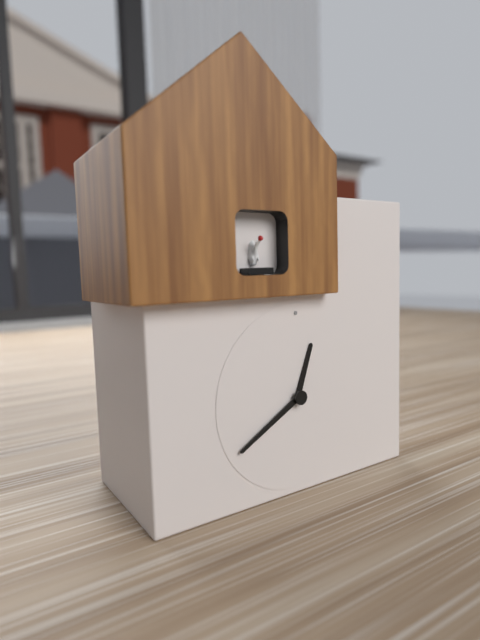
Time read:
12.40
